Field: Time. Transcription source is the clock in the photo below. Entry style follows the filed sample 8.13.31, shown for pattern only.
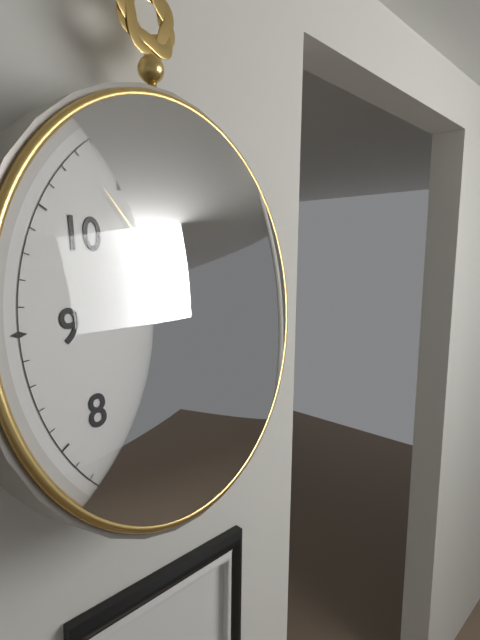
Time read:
5.53.55
